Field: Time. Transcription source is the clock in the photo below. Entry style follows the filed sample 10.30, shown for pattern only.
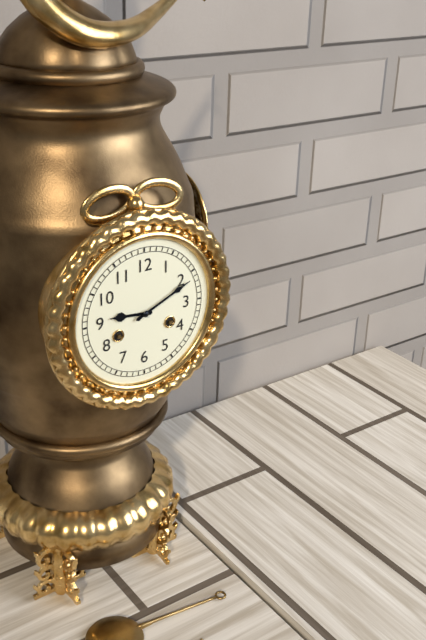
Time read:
9.11
